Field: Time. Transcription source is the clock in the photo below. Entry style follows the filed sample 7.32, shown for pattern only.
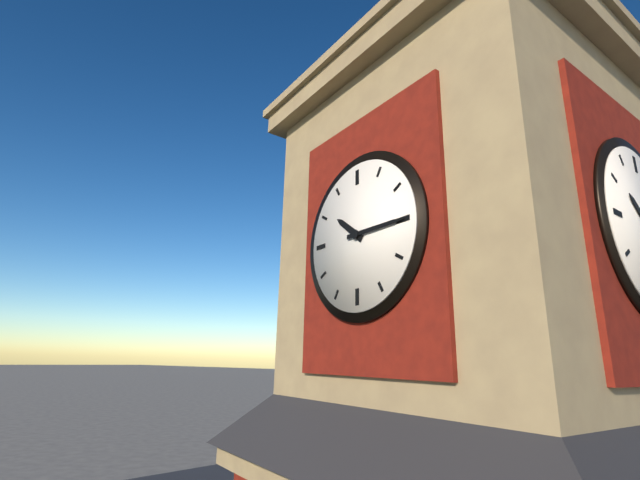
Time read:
10.15
